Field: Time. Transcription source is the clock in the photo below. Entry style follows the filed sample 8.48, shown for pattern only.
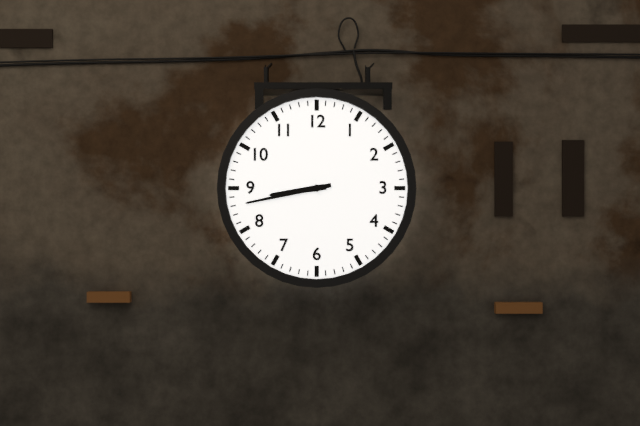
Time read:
8.43
